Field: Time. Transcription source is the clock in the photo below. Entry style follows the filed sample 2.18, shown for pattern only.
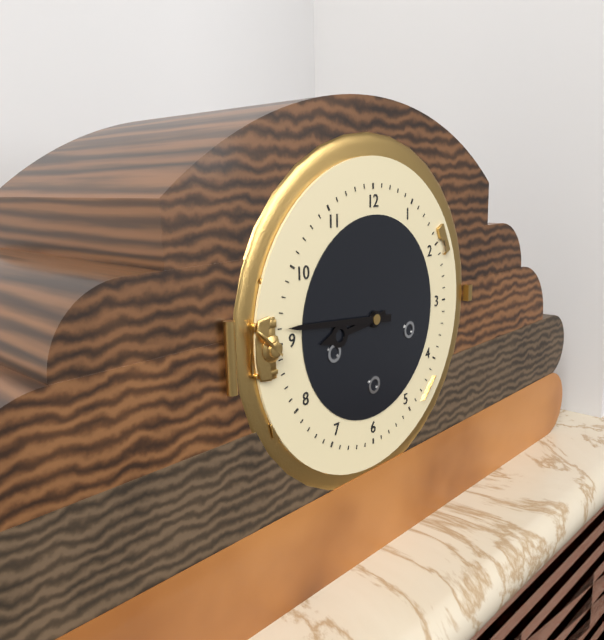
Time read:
8.46
